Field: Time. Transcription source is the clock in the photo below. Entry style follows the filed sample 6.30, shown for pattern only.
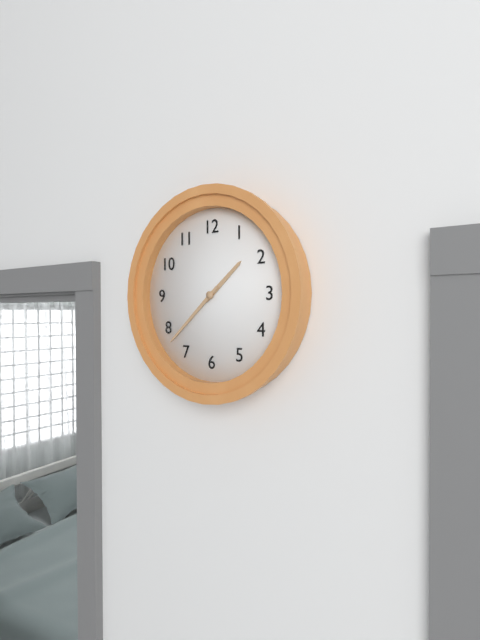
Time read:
1.38
